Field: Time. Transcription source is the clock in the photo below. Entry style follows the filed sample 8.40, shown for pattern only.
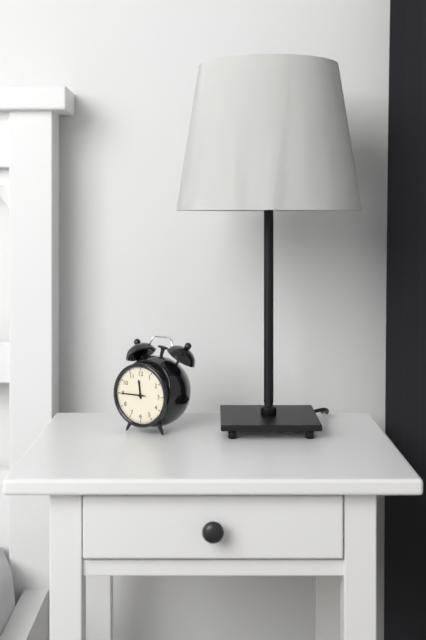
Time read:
11.45
